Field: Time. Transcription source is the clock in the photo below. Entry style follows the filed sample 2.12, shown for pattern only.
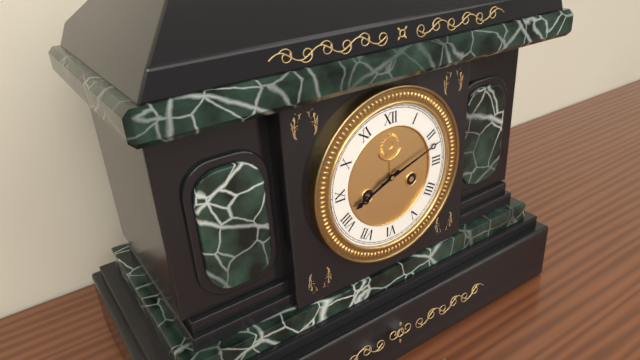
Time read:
8.12
